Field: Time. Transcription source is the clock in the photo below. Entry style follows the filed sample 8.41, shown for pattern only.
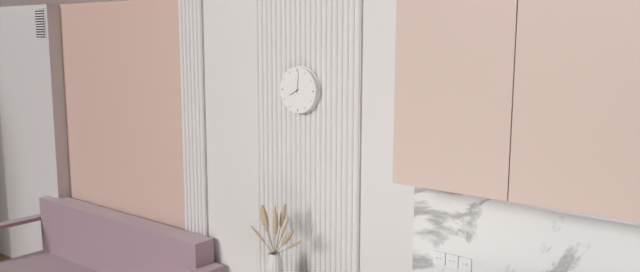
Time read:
8.01
